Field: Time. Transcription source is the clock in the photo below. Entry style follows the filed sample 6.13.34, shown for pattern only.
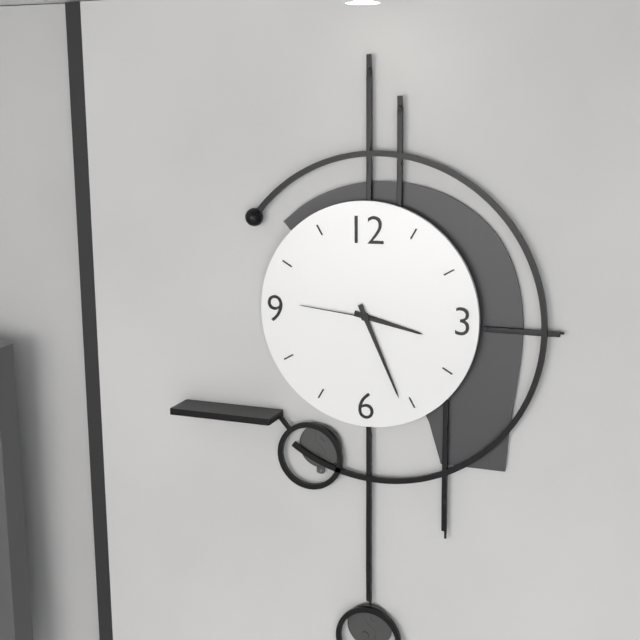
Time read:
3.26.46
